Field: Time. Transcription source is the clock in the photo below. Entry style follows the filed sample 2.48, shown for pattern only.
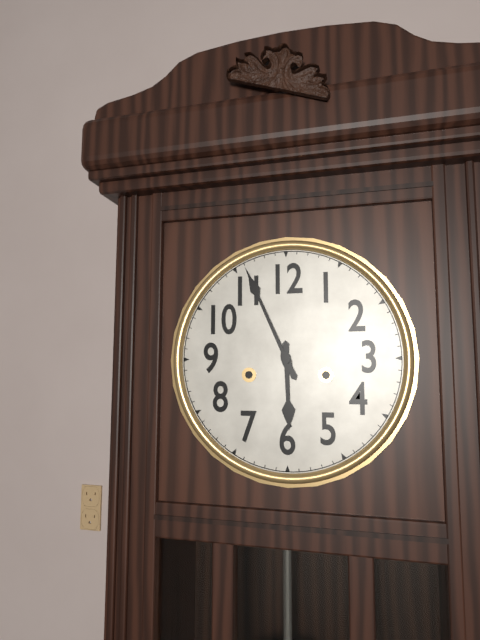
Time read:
5.56
